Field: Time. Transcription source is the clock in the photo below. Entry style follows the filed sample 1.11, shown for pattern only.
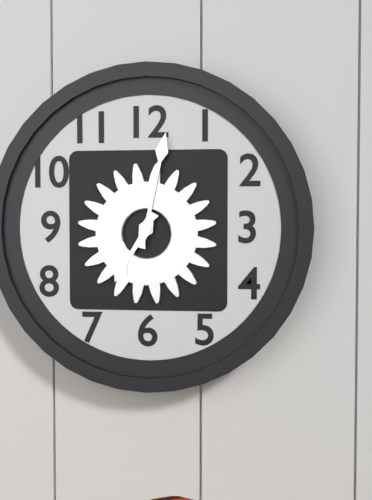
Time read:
7.02
